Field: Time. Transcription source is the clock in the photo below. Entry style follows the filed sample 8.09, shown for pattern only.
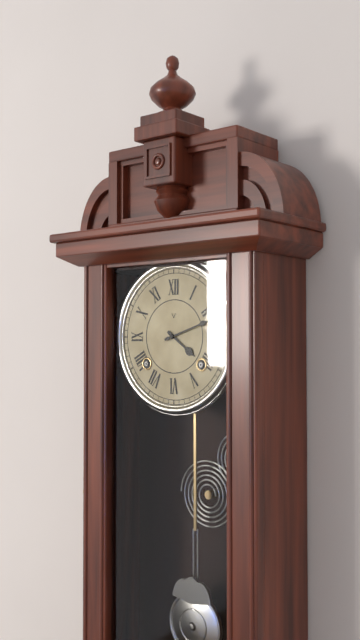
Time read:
4.12
